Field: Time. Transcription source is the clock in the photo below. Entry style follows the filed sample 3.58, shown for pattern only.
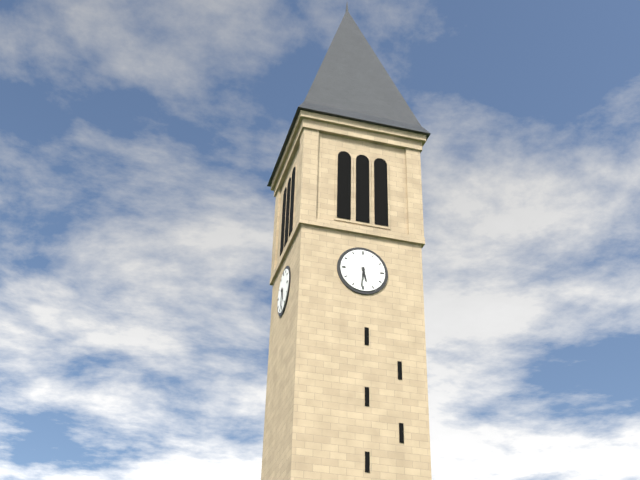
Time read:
5.31
